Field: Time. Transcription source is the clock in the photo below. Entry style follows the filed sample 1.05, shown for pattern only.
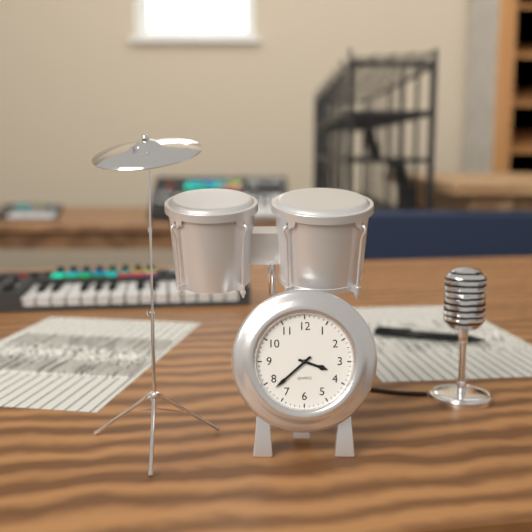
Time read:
3.38
